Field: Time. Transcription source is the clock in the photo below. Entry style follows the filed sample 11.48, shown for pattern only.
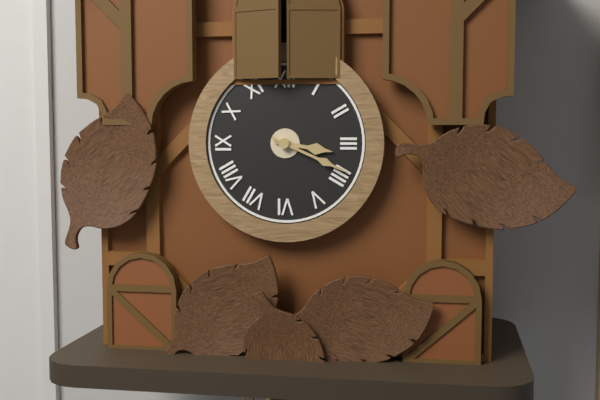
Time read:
3.19
